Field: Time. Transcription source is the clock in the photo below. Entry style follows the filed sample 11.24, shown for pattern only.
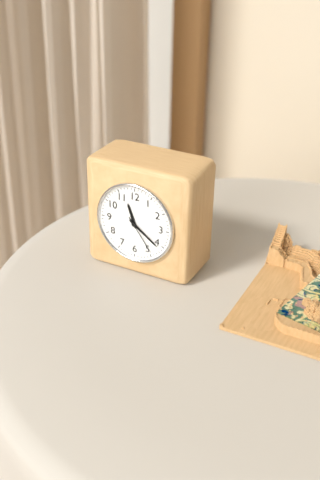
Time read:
11.21
